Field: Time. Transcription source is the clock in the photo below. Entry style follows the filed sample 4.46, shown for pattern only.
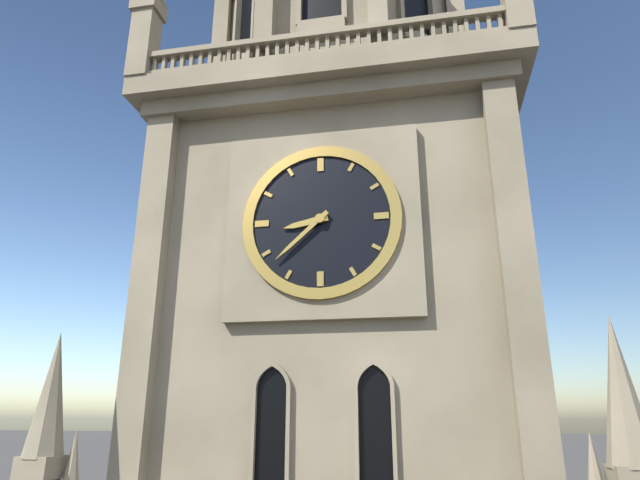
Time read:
8.38
